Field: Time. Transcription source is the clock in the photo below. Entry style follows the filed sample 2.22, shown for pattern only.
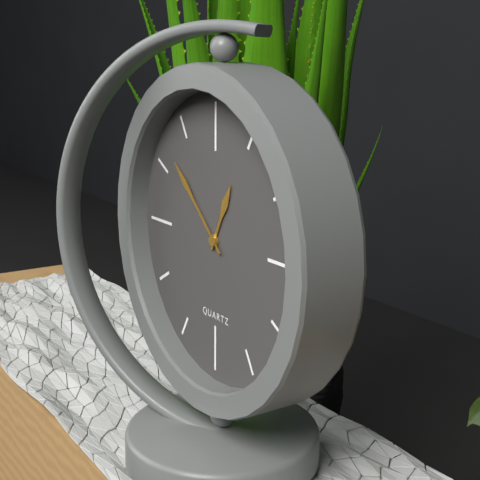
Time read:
12.52
